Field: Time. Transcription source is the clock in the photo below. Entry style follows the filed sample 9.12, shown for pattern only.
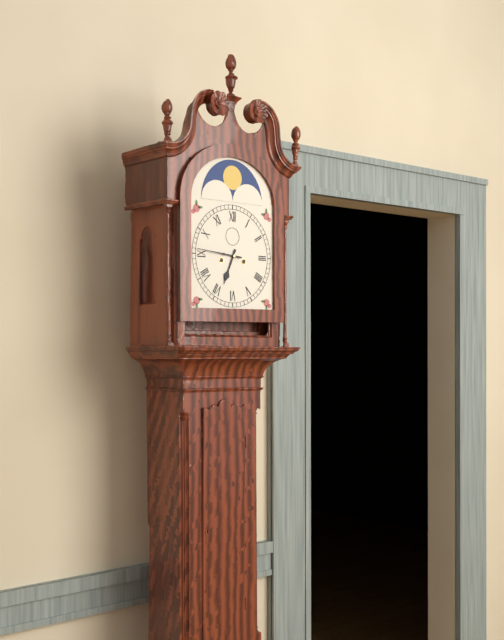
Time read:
6.46
